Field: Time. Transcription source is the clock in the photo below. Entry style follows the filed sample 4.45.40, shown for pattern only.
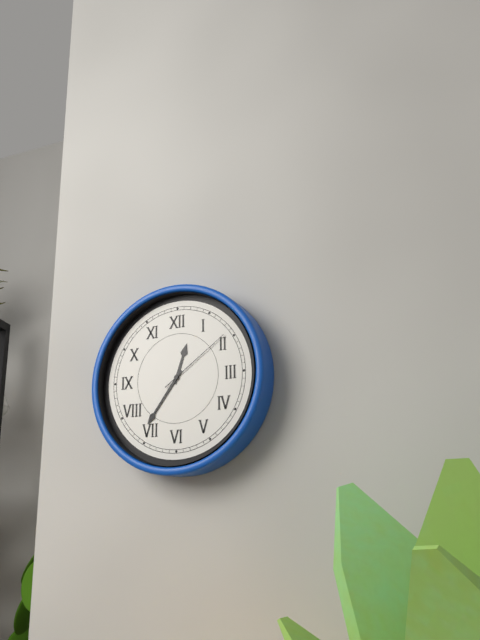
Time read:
12.36.09
